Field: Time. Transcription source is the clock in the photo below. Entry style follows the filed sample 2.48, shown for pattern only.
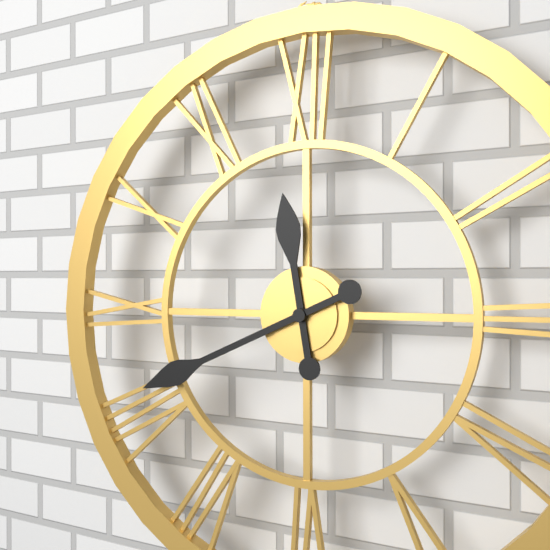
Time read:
11.41
